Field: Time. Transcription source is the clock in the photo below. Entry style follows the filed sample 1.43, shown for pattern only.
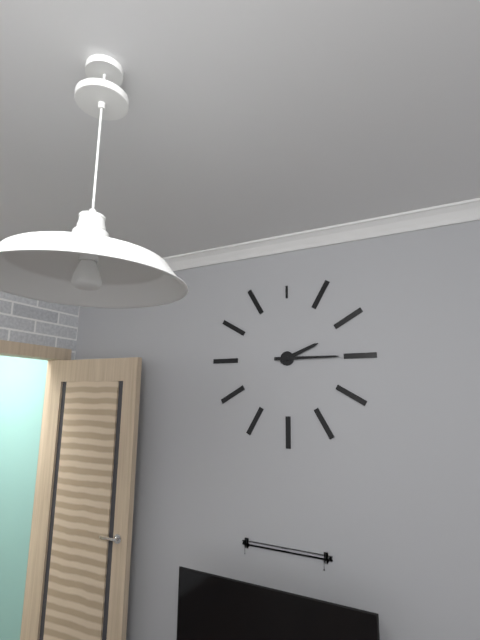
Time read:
2.15
